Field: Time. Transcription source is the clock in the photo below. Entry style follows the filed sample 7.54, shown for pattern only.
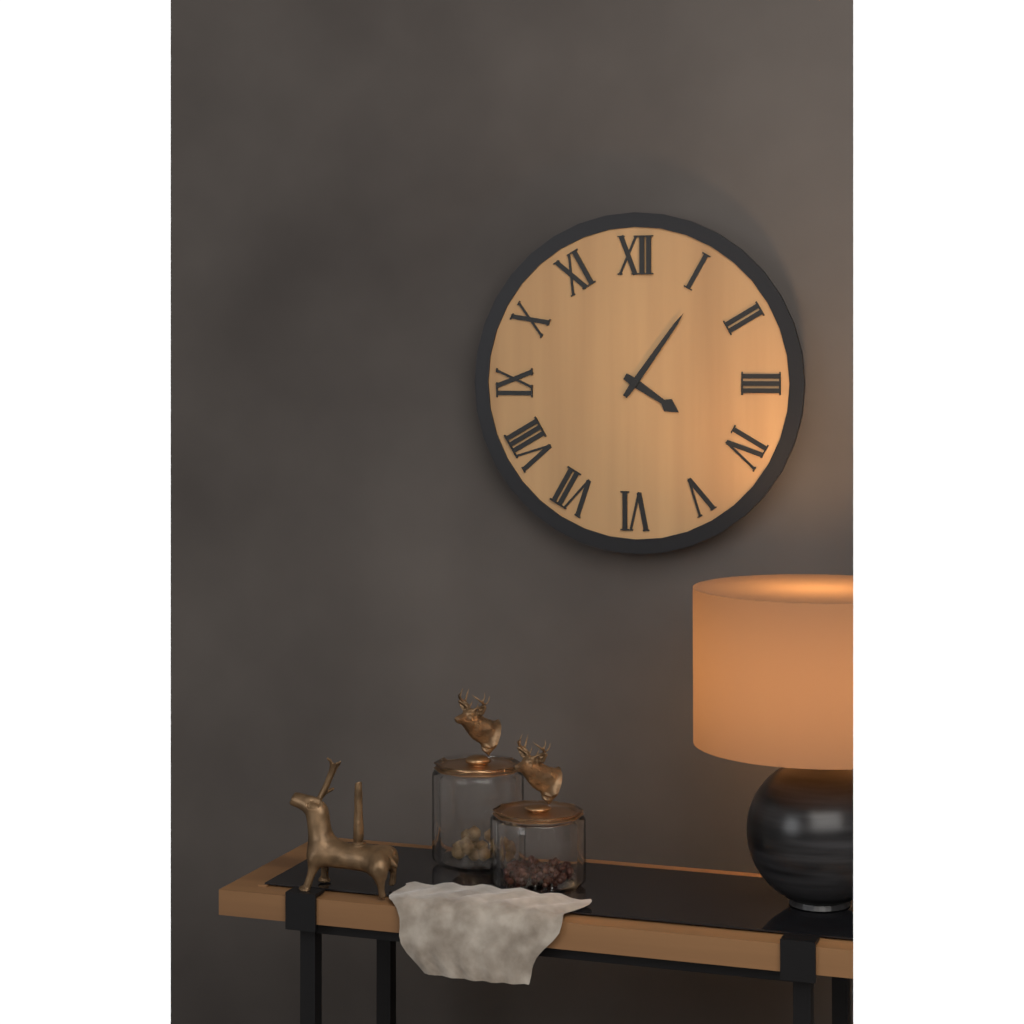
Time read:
4.06
